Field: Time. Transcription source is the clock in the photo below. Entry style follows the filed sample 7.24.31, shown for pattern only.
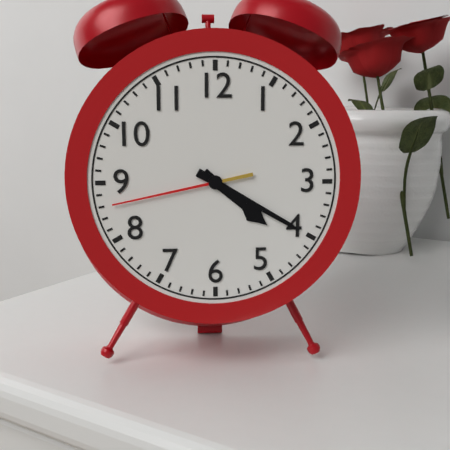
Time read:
4.20.43
